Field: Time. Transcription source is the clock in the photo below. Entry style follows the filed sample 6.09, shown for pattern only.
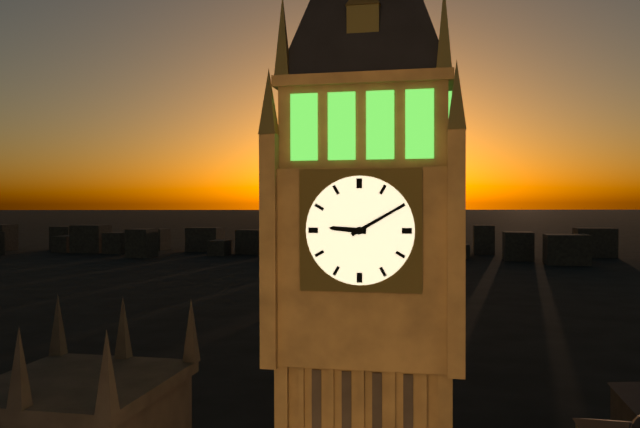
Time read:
9.10
